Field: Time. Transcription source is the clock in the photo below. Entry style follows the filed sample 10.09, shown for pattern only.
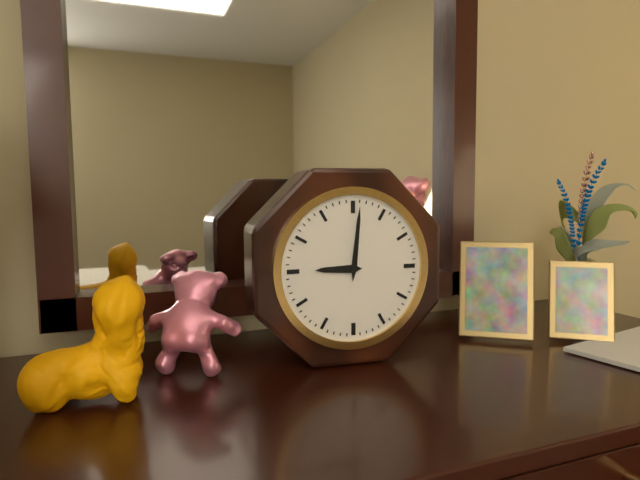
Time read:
9.01
